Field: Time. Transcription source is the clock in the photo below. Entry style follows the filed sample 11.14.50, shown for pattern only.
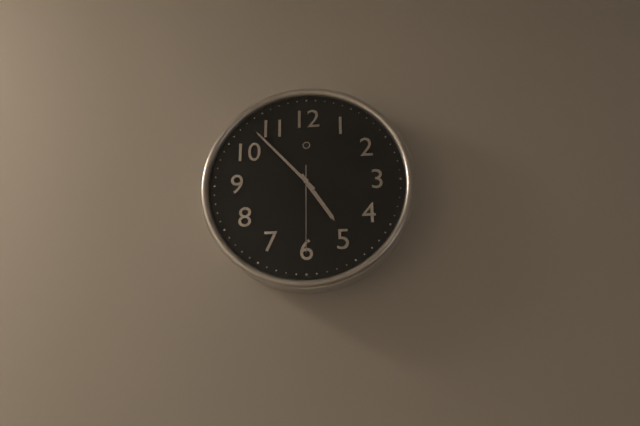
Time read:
4.53.30
